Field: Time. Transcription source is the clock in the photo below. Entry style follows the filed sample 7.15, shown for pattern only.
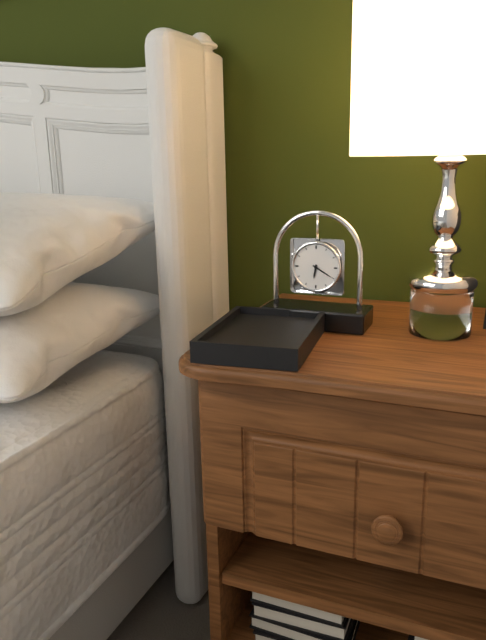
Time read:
6.20
